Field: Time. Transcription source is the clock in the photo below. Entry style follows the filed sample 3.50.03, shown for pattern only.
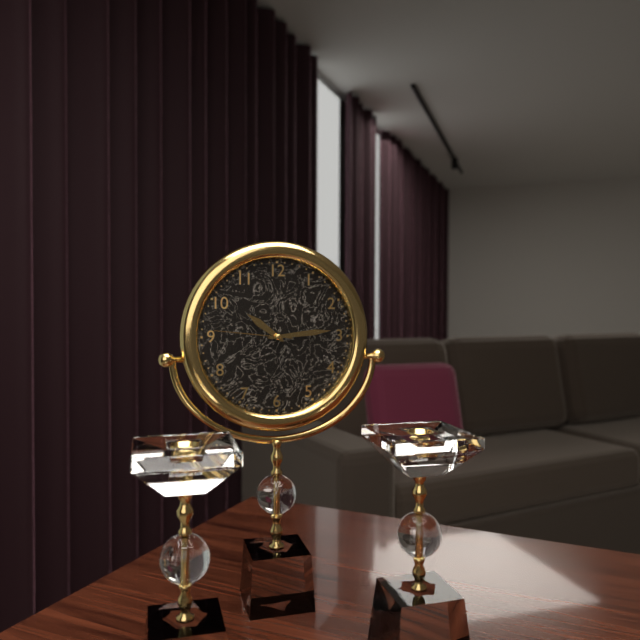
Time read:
10.14.46
